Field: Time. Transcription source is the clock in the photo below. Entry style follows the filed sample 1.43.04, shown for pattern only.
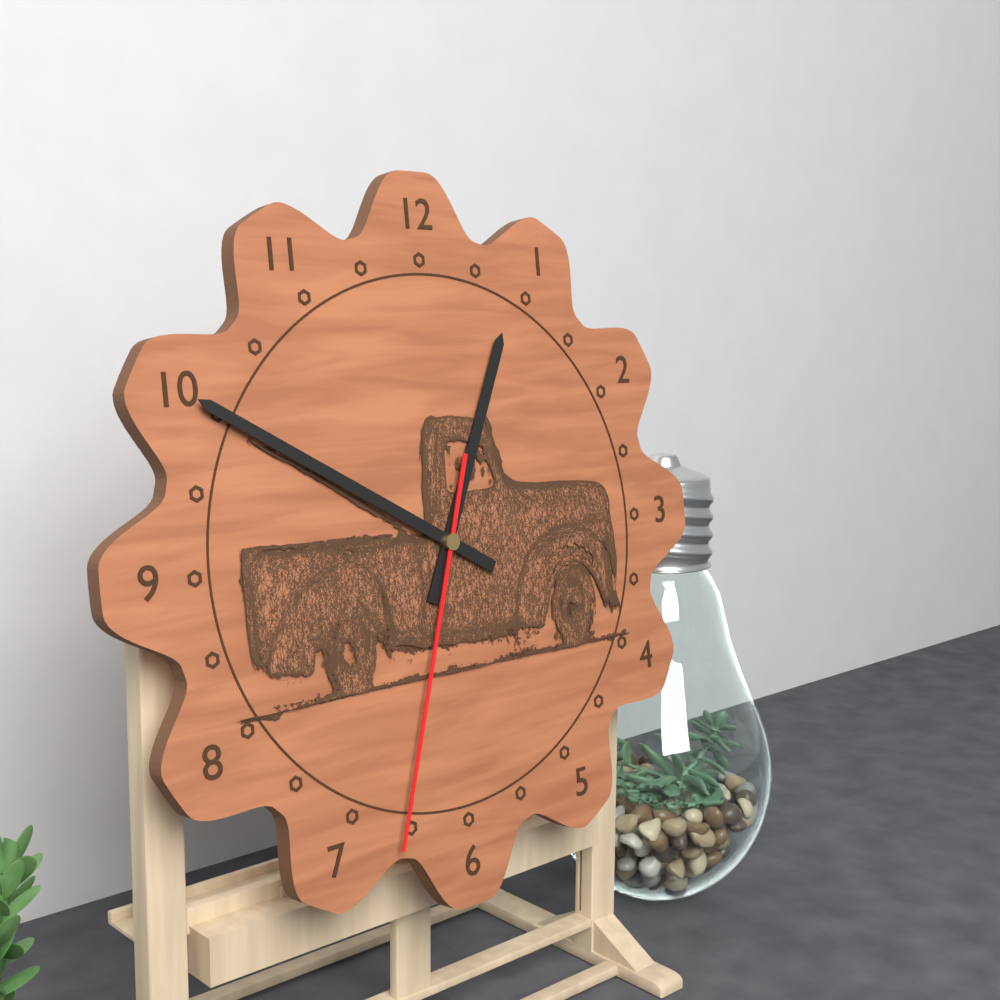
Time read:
12.50.33
